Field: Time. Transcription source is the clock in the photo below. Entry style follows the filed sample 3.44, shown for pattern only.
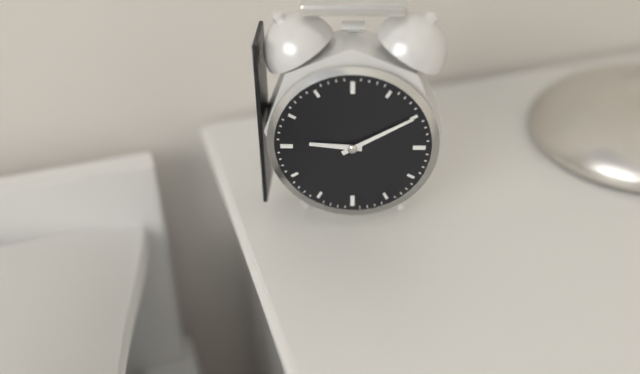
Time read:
9.10
